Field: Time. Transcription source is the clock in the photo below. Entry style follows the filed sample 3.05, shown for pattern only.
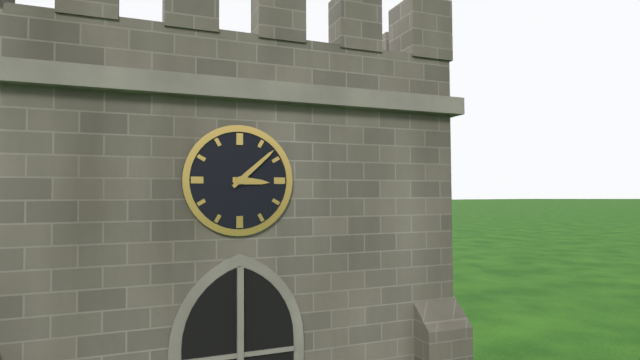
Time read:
3.08
